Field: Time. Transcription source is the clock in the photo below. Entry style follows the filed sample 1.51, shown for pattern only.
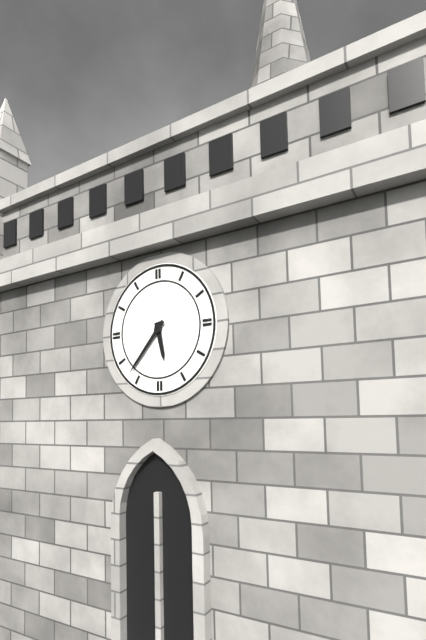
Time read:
5.37
